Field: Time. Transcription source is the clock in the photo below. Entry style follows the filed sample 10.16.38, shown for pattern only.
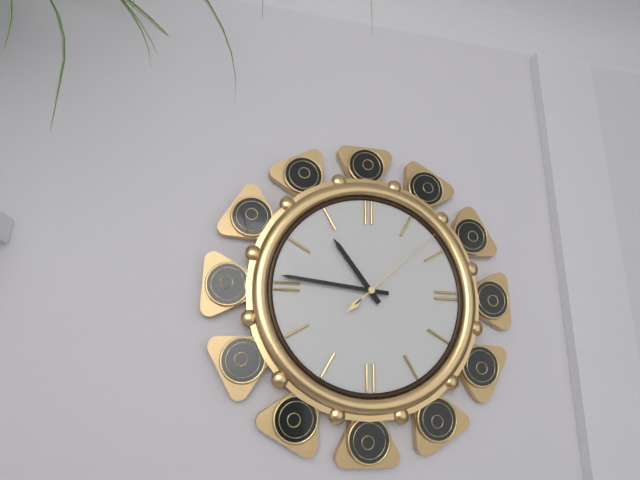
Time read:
10.46.08
